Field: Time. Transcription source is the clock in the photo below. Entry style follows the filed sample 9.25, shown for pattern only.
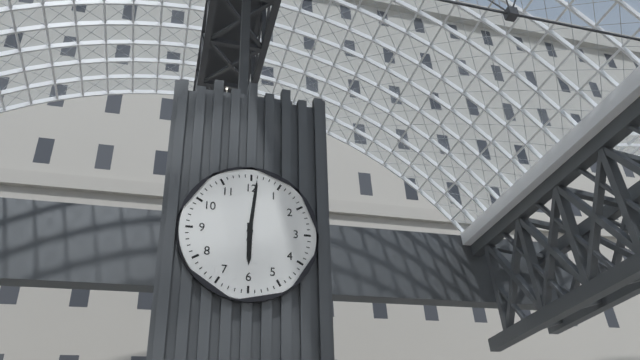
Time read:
6.01
